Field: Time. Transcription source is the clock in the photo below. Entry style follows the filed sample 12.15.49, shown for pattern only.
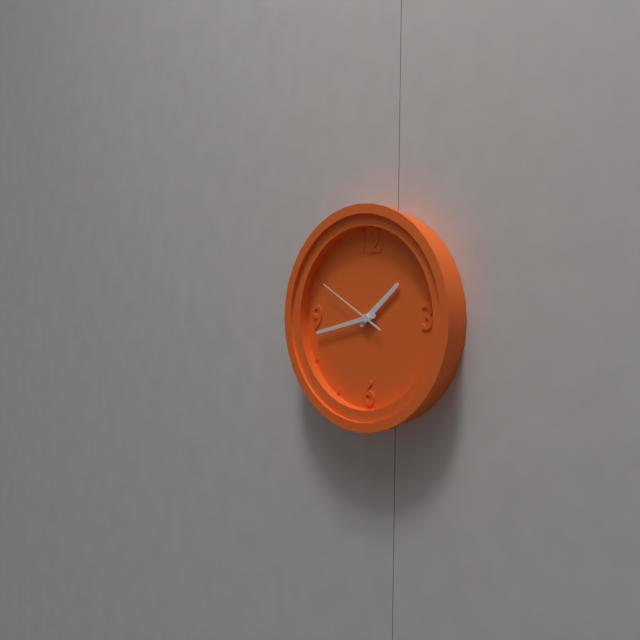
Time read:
1.43.50
